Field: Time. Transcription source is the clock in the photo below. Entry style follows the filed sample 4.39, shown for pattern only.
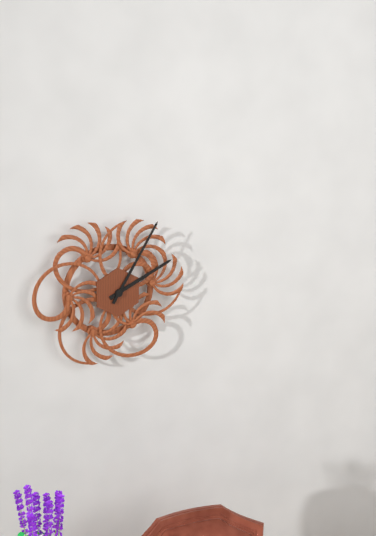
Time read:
2.05
